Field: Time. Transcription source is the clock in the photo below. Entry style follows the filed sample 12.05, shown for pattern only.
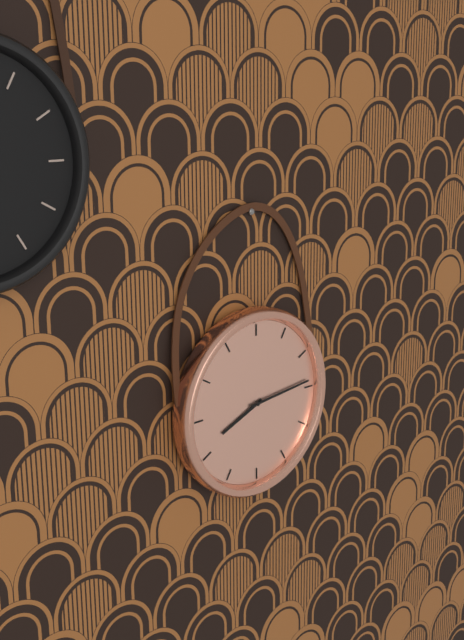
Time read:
8.14
